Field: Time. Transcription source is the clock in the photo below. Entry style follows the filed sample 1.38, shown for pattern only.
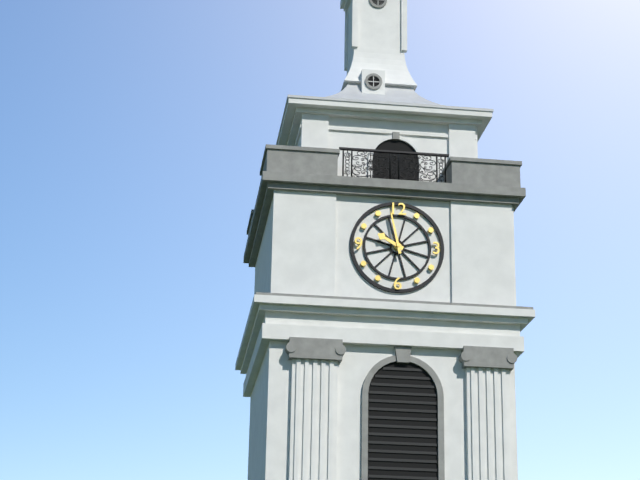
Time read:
9.58
